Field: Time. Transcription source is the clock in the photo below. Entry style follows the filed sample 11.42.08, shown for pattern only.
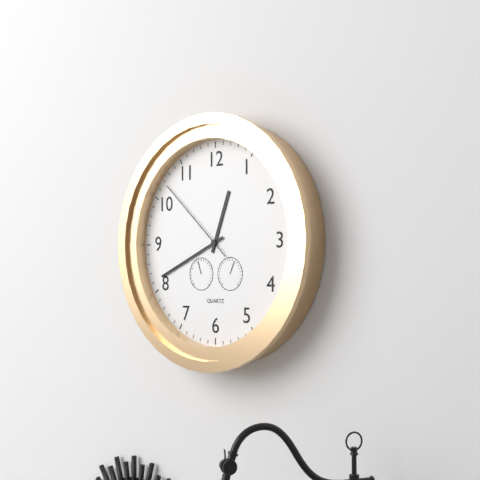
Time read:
12.41.52
